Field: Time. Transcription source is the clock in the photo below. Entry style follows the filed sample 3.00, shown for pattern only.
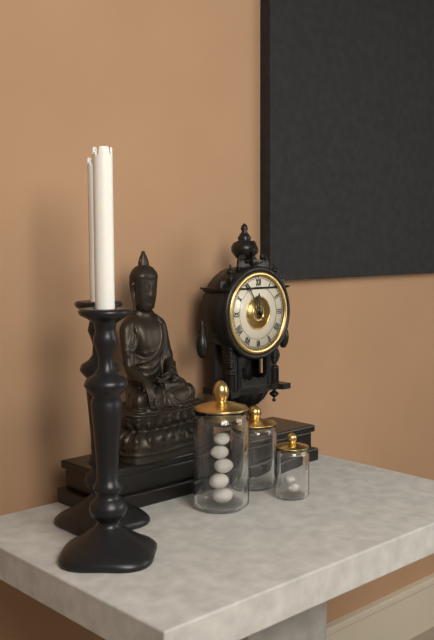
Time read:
11.55
